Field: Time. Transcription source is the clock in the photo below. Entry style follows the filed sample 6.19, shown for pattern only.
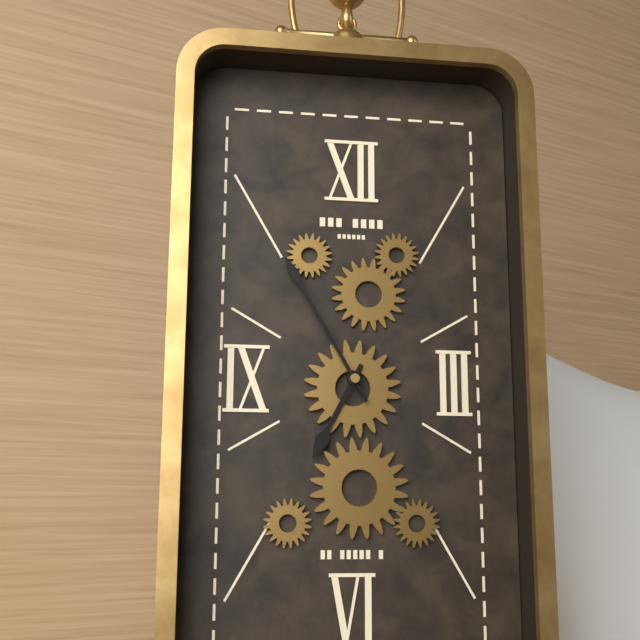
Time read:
6.55
